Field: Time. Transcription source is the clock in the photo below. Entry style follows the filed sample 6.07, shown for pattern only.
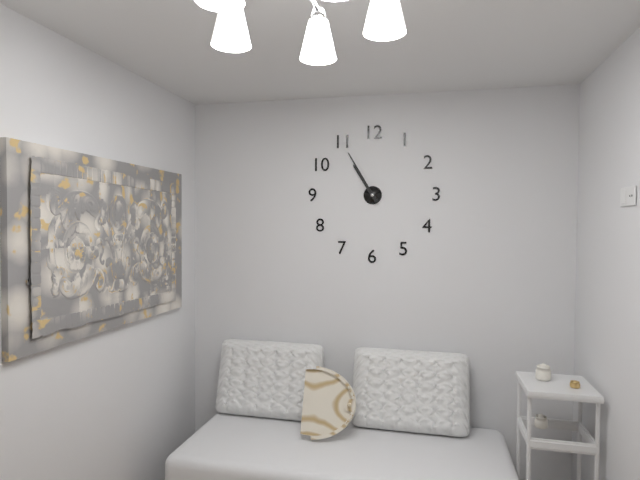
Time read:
10.55
